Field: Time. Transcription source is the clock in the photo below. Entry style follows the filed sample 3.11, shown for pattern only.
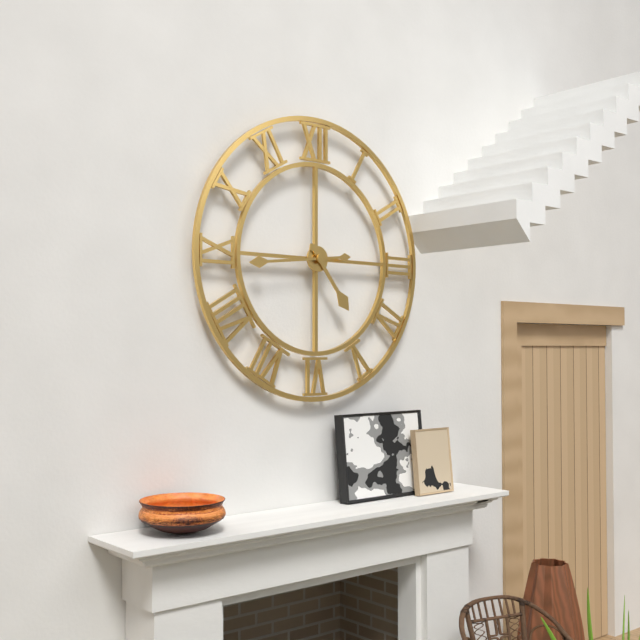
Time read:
4.44
